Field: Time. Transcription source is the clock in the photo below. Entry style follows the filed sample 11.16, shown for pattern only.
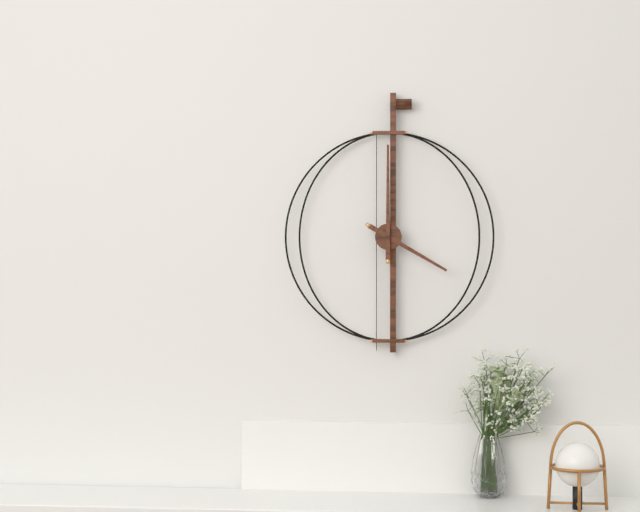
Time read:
4.00
